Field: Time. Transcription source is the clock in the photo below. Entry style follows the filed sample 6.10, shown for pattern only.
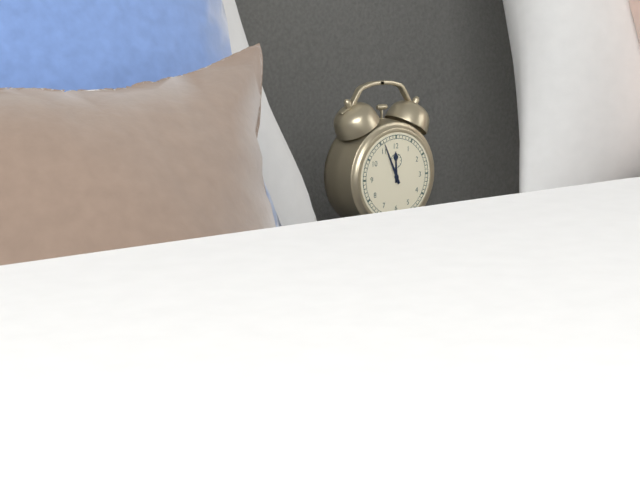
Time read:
11.56
